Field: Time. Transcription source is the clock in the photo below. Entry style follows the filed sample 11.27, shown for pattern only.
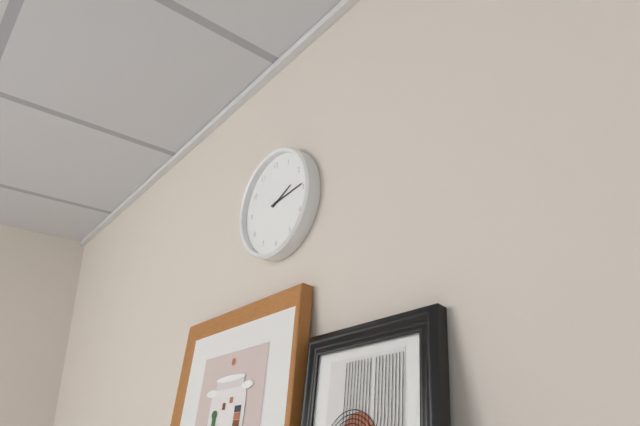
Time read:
2.14
